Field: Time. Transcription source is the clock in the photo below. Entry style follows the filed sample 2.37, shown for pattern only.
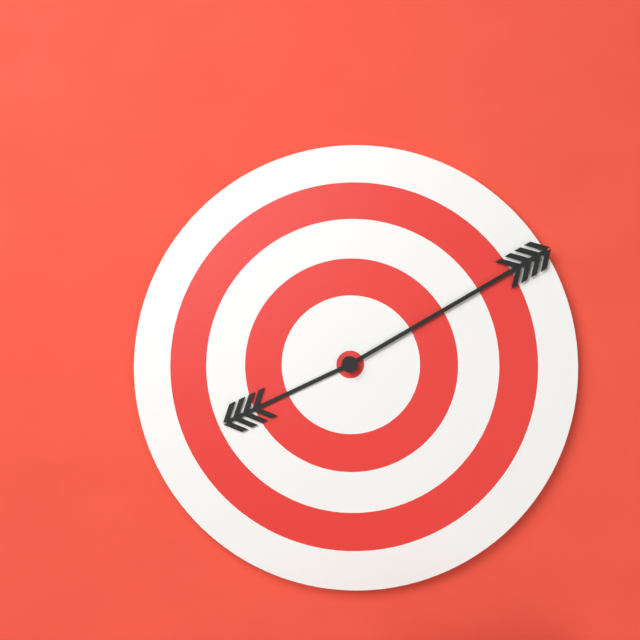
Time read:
8.10
